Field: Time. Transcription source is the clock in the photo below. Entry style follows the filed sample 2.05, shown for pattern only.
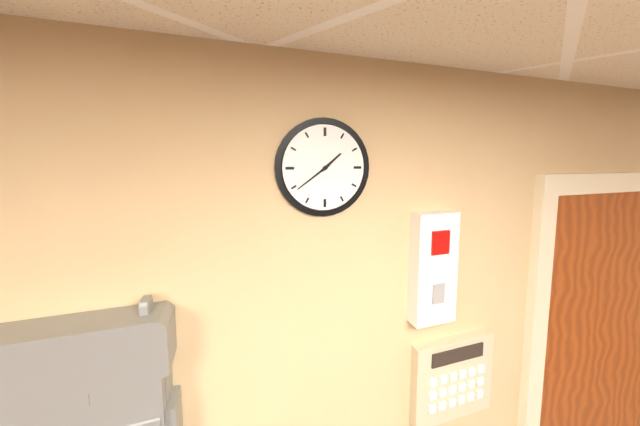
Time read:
1.39
